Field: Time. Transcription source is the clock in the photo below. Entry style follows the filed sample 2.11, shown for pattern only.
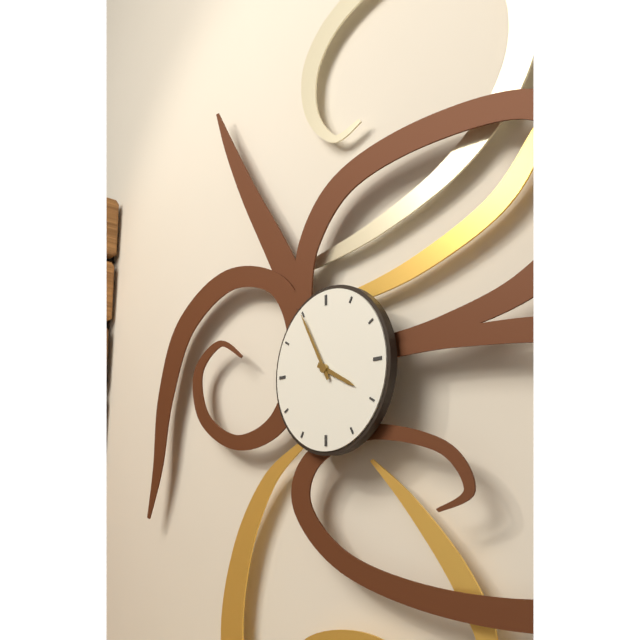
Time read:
3.55
